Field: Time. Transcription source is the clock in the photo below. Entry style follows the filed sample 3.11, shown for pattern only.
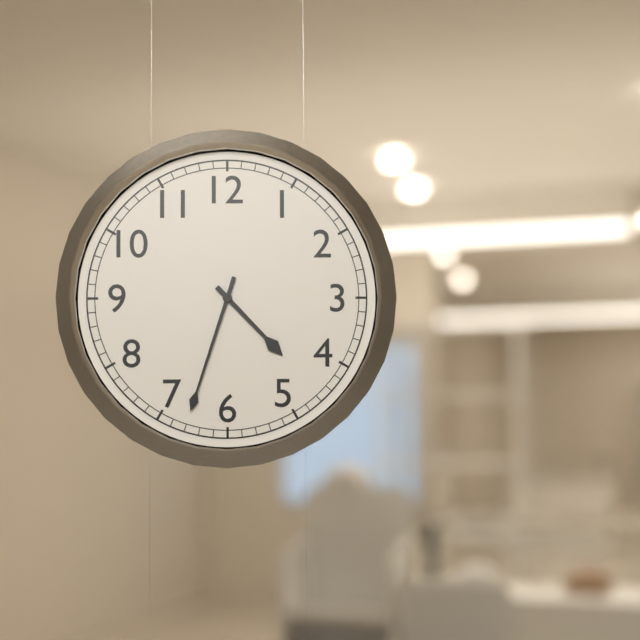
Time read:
4.33
